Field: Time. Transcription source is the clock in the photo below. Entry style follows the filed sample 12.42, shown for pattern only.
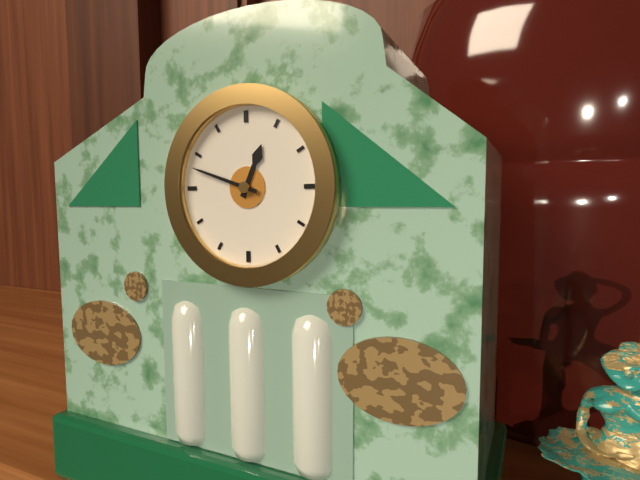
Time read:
12.48
